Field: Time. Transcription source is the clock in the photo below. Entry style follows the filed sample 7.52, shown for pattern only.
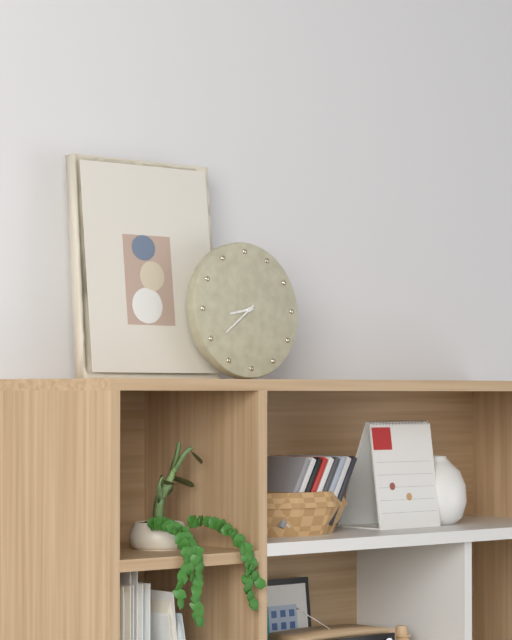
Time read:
8.39
